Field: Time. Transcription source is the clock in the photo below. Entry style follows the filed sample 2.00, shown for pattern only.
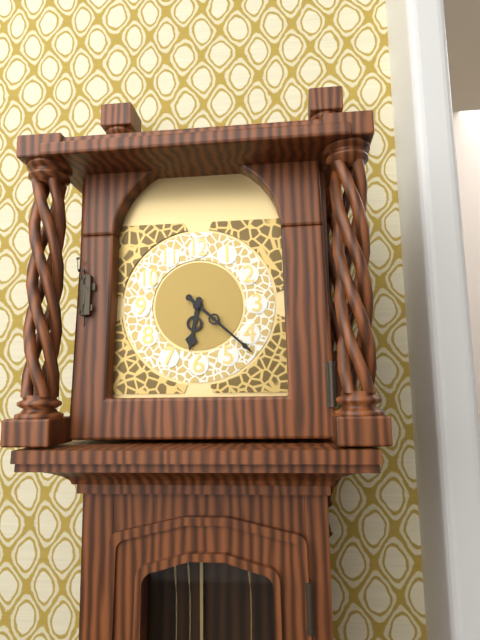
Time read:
6.22
